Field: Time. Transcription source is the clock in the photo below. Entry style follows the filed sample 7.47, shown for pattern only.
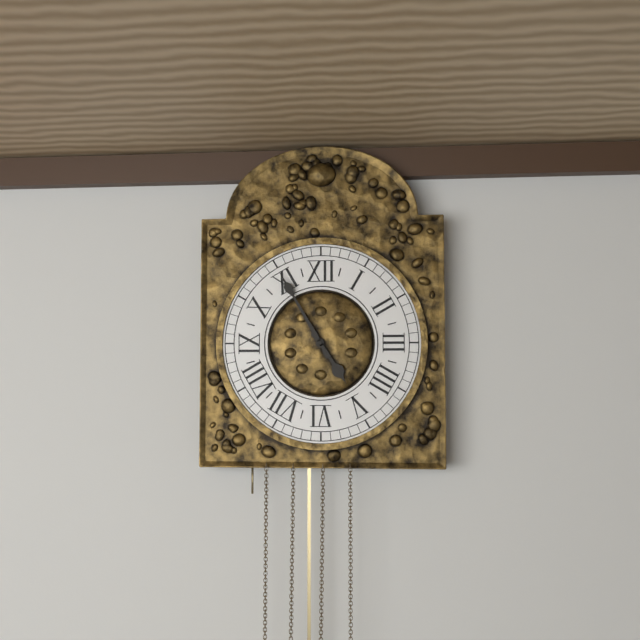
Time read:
4.55
